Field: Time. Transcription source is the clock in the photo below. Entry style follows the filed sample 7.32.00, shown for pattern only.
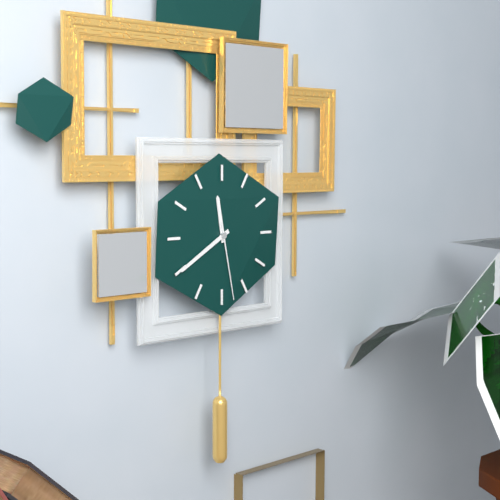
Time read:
11.40.28
